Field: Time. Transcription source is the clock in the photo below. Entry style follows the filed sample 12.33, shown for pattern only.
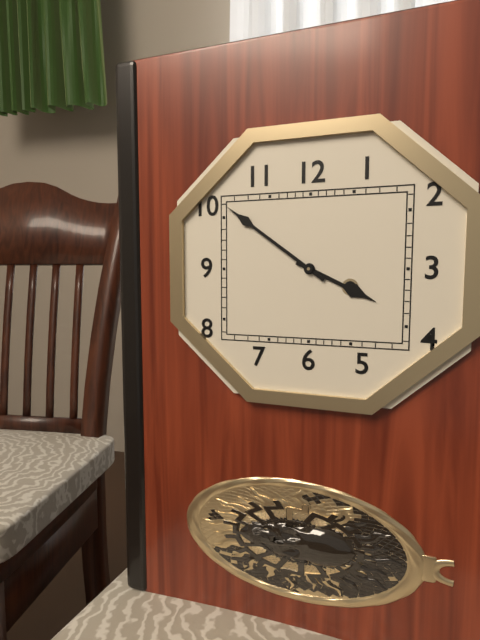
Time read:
3.51
